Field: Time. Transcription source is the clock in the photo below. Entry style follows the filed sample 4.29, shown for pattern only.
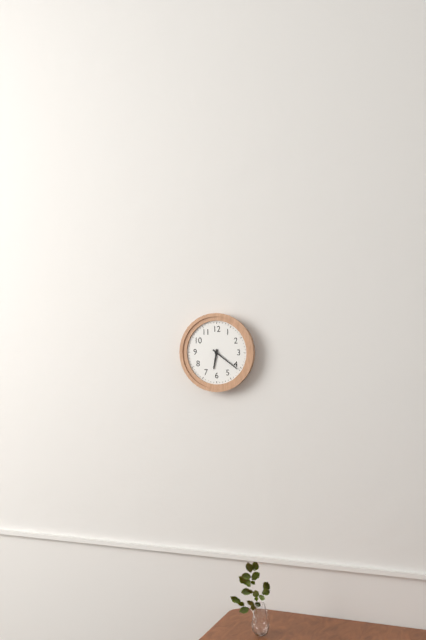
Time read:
6.21
